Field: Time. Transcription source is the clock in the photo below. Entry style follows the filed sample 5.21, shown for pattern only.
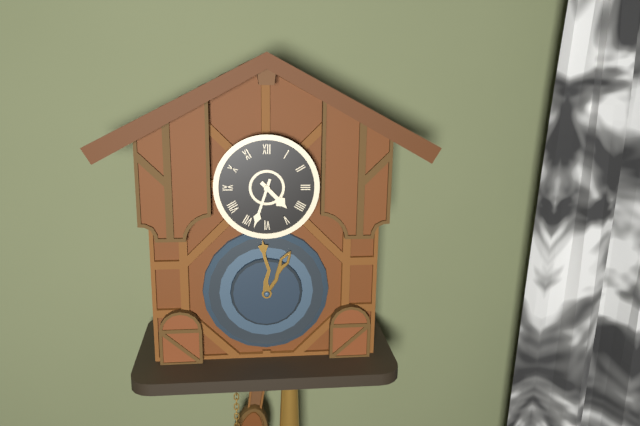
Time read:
4.33
